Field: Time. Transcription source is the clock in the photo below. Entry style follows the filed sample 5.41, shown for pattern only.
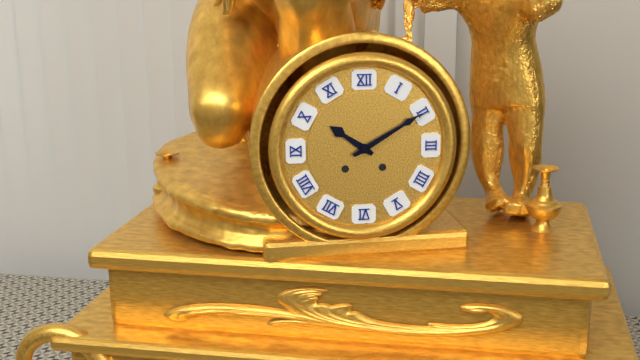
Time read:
10.10
